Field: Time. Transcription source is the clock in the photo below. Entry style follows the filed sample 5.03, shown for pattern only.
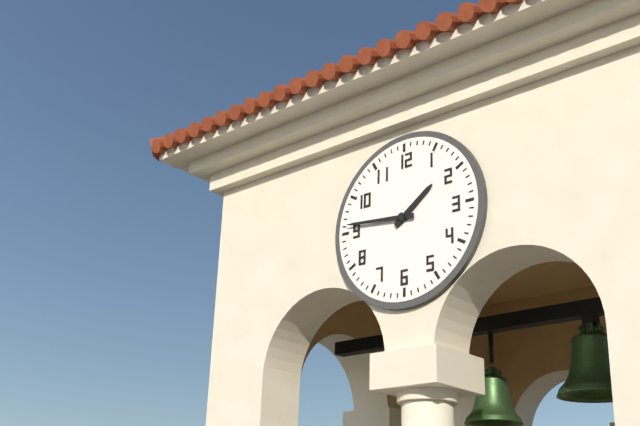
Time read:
1.46
